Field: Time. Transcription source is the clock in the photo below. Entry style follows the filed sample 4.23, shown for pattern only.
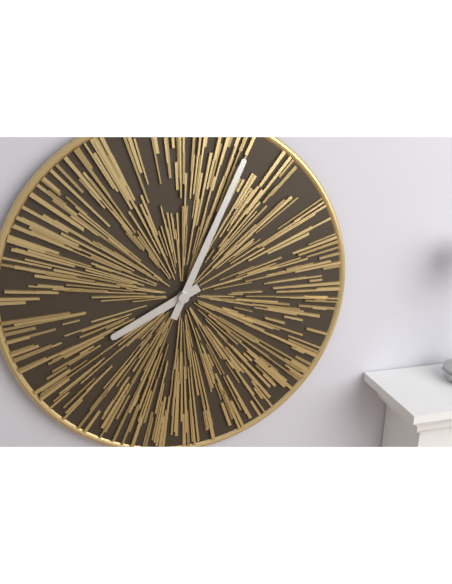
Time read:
8.04
